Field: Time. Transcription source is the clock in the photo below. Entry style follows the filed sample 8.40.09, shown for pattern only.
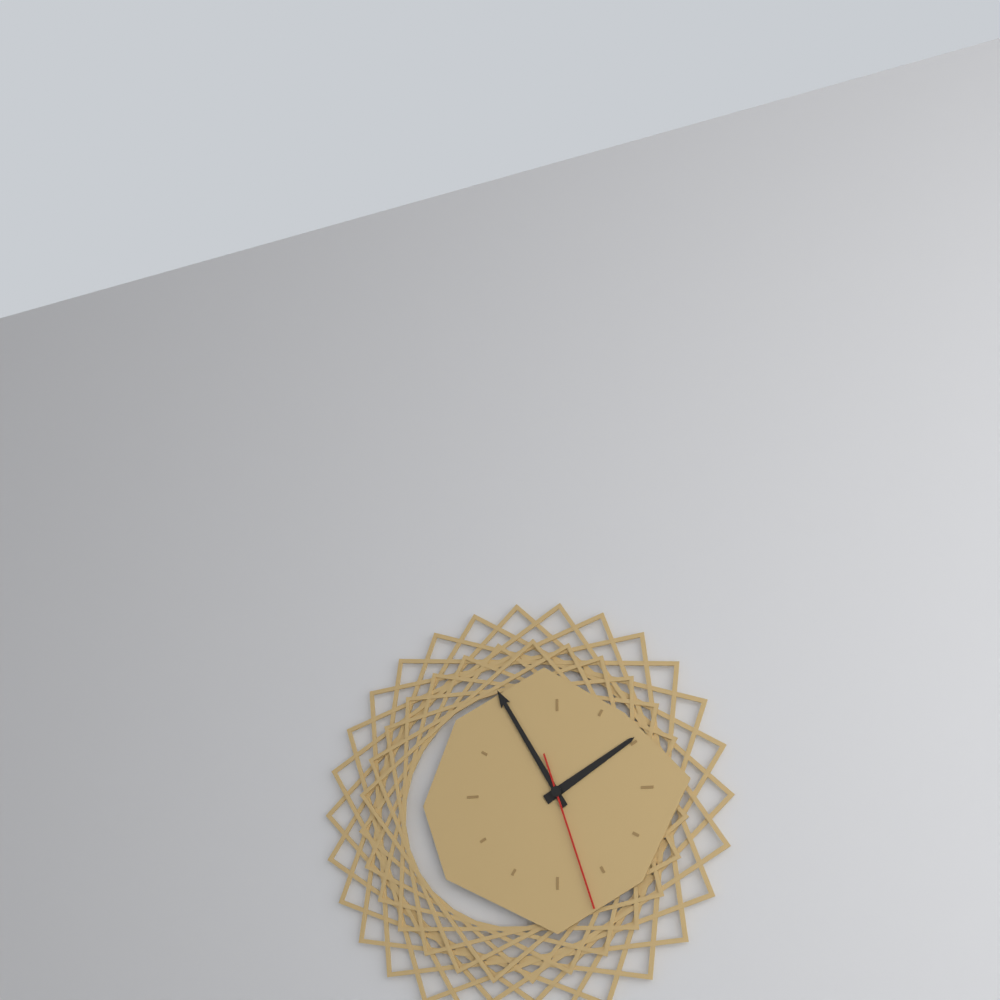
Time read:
1.55.27
